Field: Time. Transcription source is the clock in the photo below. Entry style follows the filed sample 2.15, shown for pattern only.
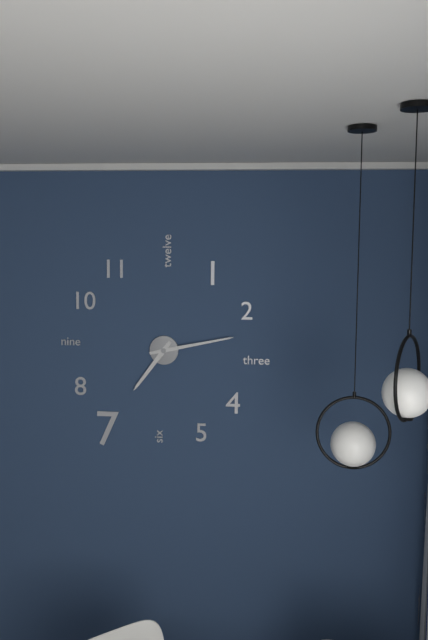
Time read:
7.13
